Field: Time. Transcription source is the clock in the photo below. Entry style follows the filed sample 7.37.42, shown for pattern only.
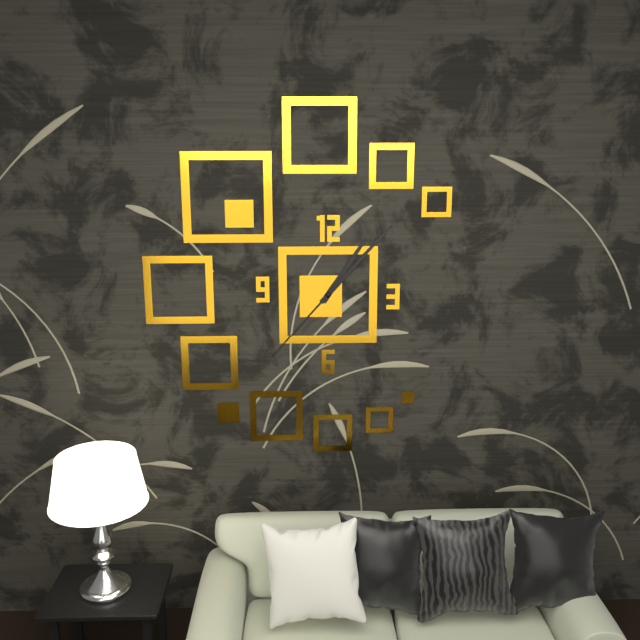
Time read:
1.07.37
